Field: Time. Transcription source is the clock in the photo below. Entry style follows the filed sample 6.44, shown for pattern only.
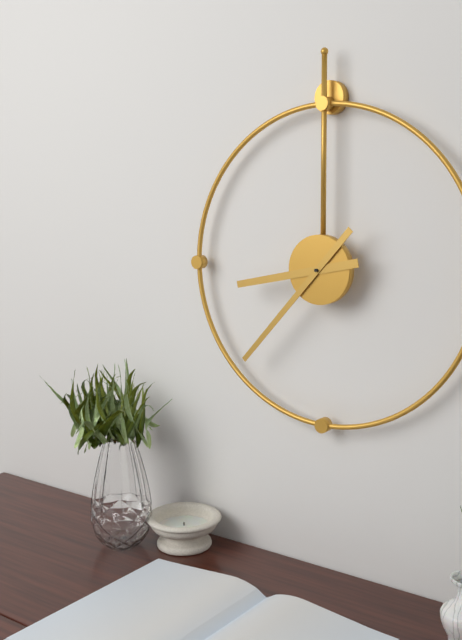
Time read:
8.37
